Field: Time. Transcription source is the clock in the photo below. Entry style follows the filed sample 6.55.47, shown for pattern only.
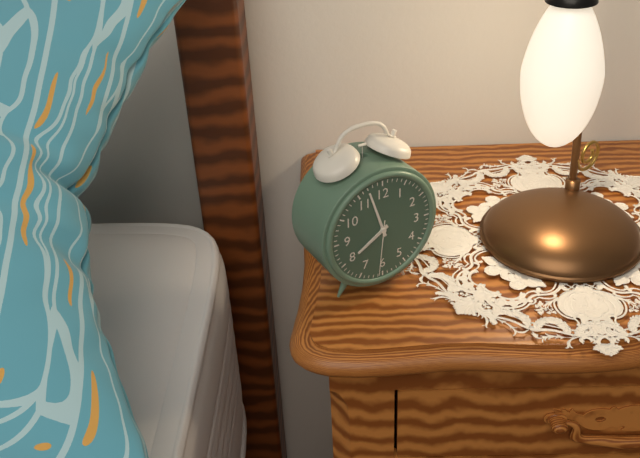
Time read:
7.57.31
